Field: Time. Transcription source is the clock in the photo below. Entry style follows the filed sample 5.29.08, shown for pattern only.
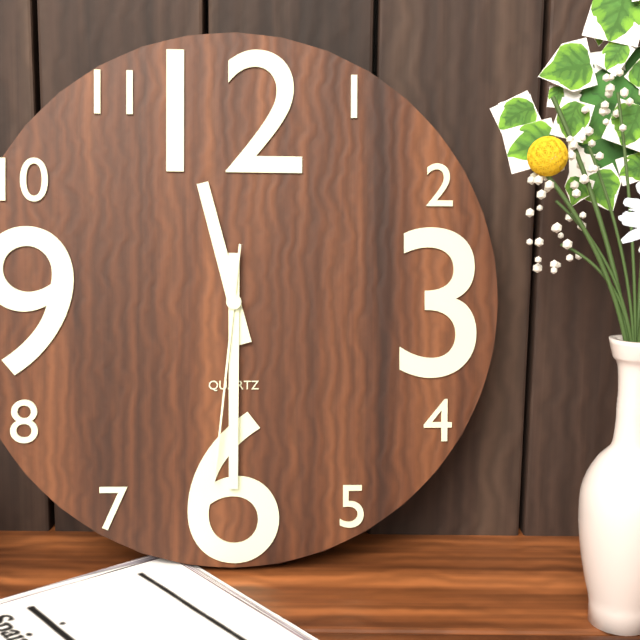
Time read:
11.30.31
